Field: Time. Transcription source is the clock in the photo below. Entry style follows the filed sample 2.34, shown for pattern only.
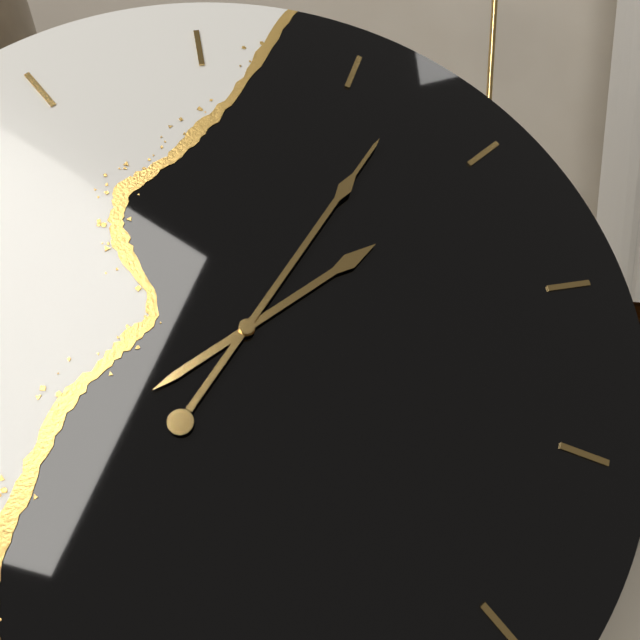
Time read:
2.07
